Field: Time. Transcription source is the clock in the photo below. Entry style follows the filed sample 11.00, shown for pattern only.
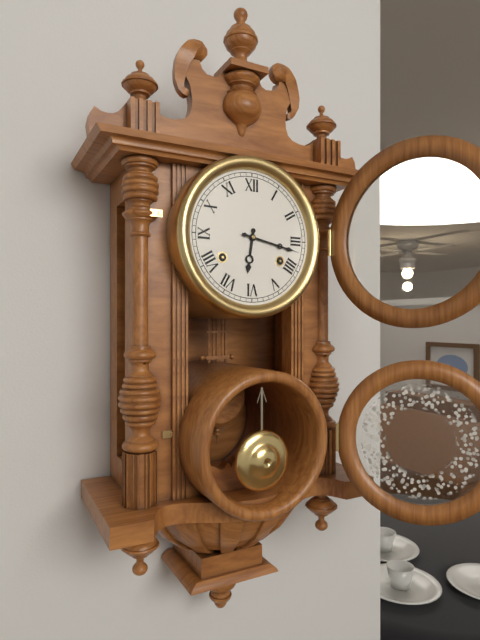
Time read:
6.17
